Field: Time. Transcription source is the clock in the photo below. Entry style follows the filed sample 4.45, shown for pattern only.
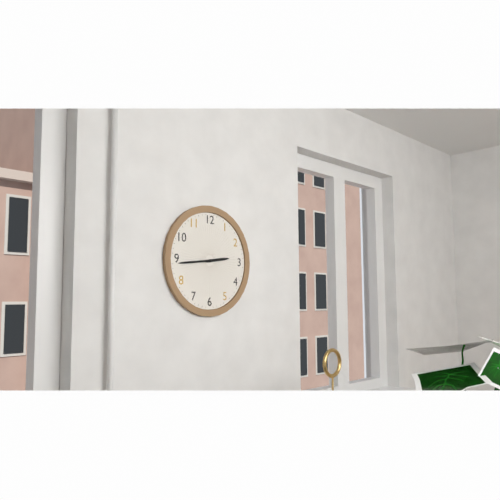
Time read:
2.44
